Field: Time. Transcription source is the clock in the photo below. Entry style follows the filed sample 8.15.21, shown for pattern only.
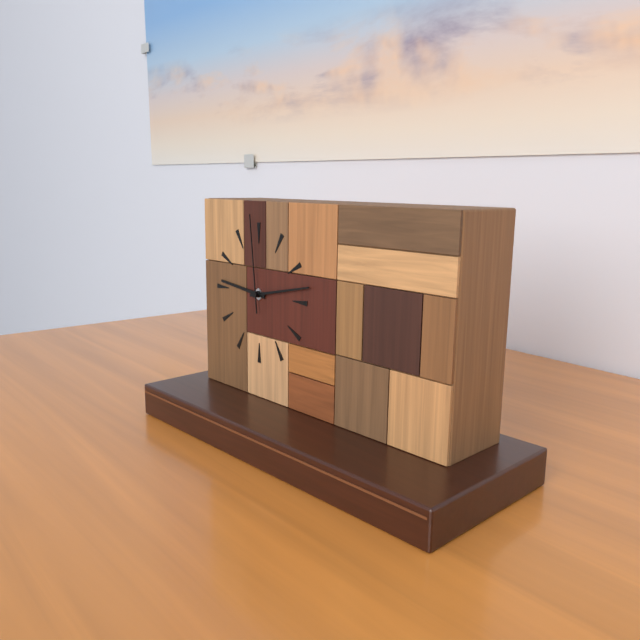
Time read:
9.13.59
